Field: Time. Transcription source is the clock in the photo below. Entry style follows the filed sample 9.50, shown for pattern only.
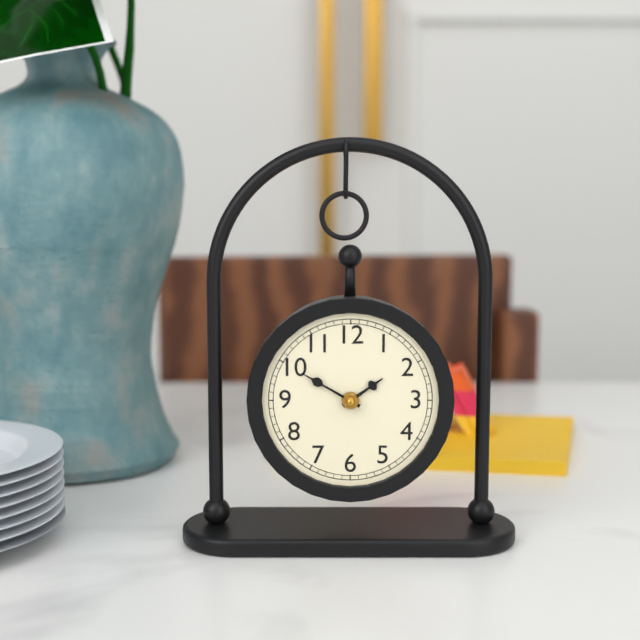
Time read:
1.50
